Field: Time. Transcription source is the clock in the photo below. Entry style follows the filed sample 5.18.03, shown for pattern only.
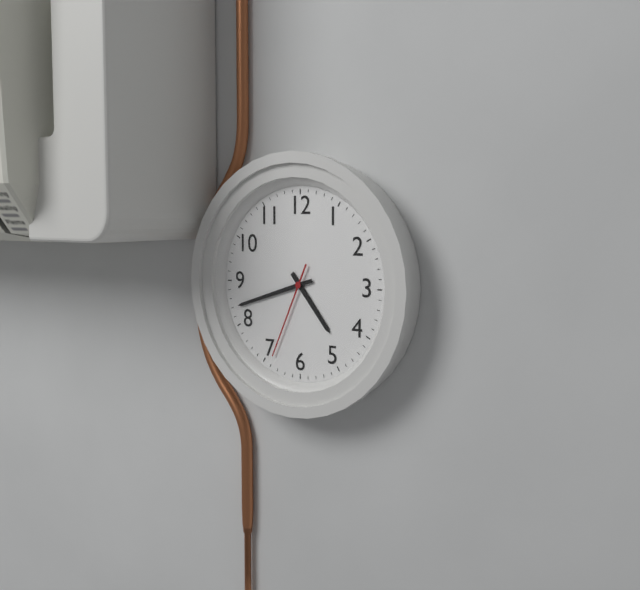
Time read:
4.42.34
